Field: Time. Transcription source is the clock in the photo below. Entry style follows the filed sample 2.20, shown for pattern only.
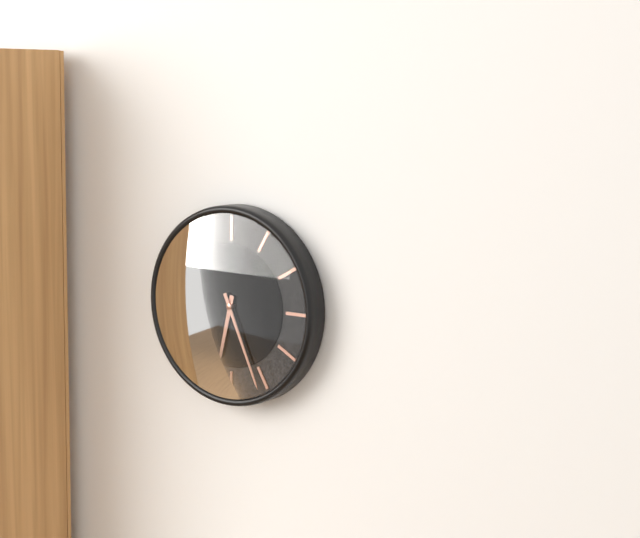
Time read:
6.26
